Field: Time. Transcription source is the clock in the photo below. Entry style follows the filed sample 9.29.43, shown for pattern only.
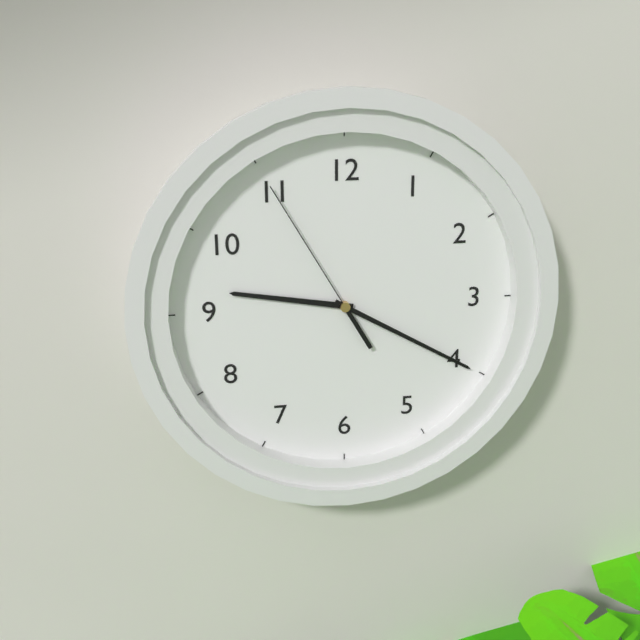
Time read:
9.20.55
